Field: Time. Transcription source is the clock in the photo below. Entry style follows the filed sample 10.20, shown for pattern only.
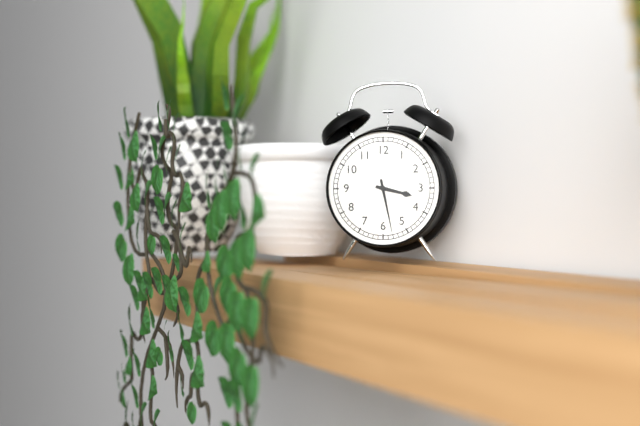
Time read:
3.28
